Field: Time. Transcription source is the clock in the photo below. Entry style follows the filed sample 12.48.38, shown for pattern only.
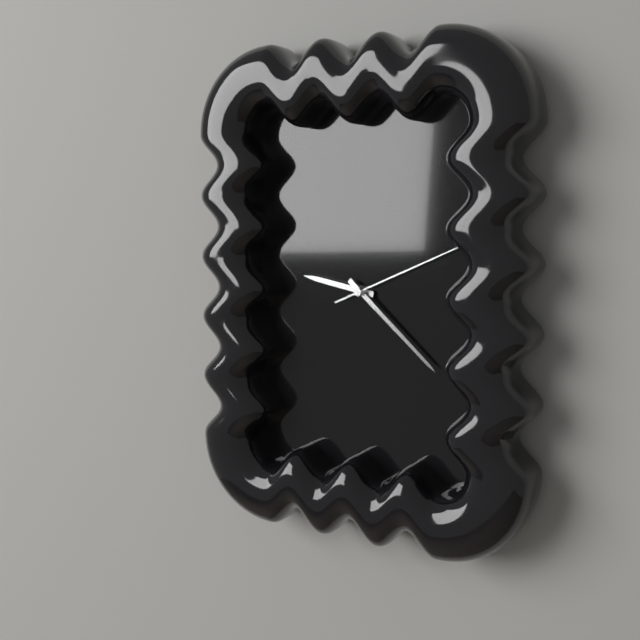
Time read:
9.22.11
